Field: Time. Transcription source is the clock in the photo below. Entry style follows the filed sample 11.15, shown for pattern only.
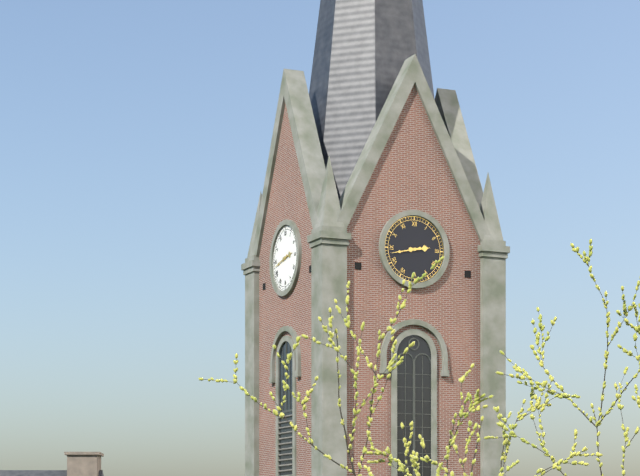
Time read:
2.43
